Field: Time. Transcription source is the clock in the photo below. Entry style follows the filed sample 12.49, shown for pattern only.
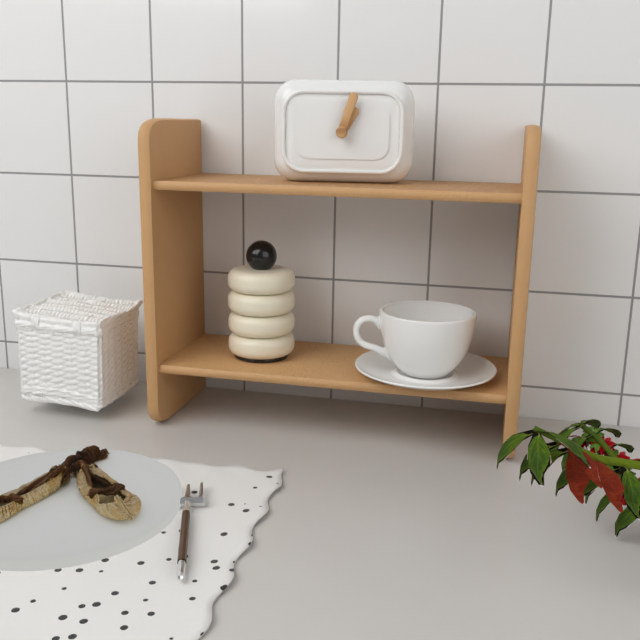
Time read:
1.03
